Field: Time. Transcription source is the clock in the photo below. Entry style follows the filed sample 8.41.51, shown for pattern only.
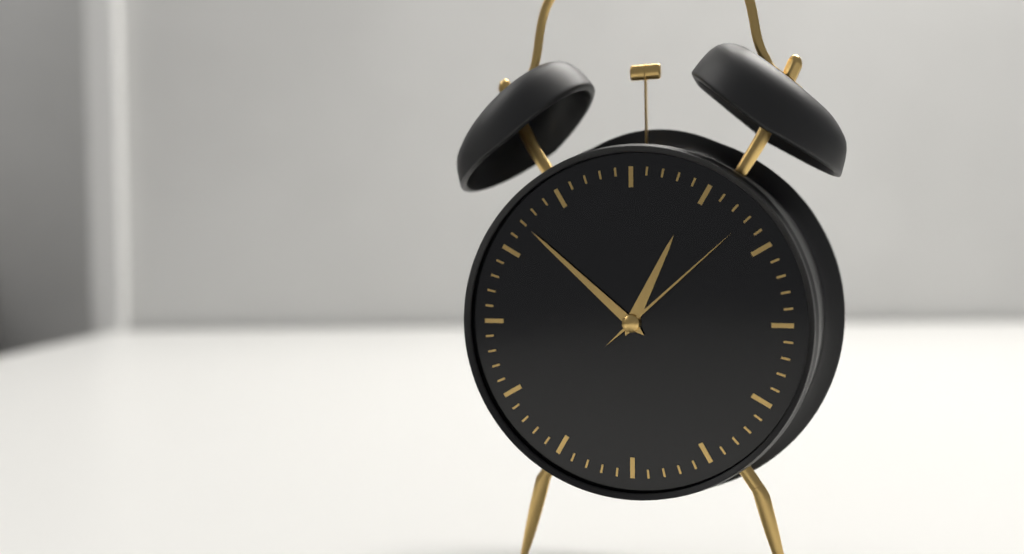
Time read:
12.52.08
